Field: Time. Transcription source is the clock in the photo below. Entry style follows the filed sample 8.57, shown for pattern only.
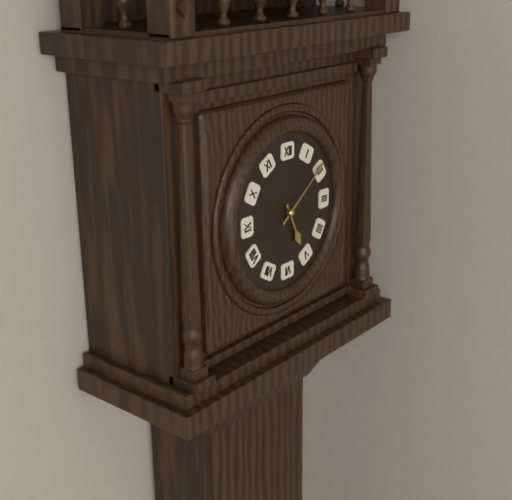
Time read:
5.09
